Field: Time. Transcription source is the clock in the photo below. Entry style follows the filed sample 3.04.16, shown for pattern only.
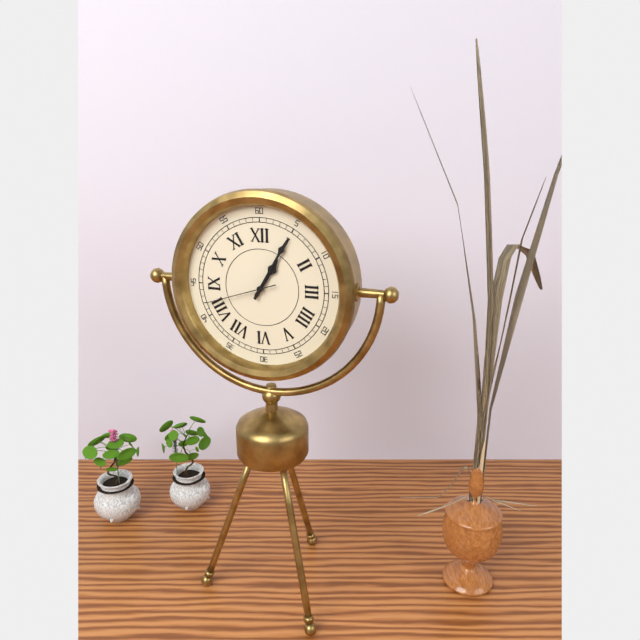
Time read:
1.05.42
